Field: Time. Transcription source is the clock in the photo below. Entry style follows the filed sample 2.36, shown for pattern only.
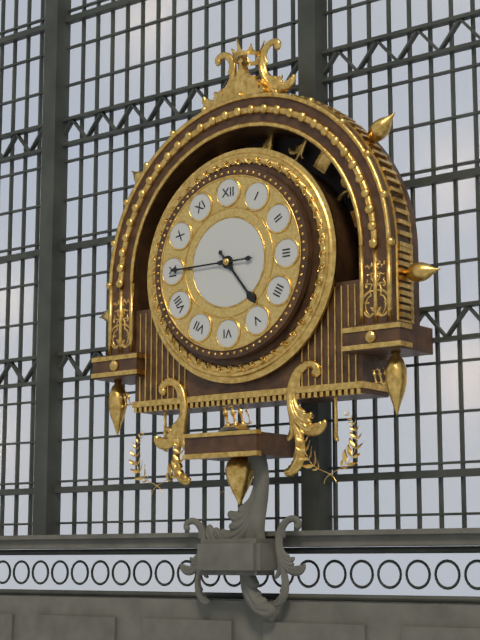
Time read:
4.45
